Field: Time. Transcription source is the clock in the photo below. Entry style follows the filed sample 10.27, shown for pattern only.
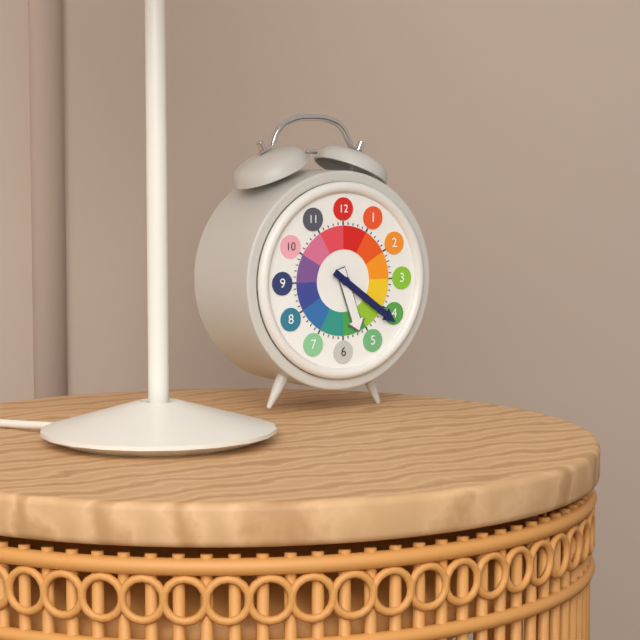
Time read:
5.21
